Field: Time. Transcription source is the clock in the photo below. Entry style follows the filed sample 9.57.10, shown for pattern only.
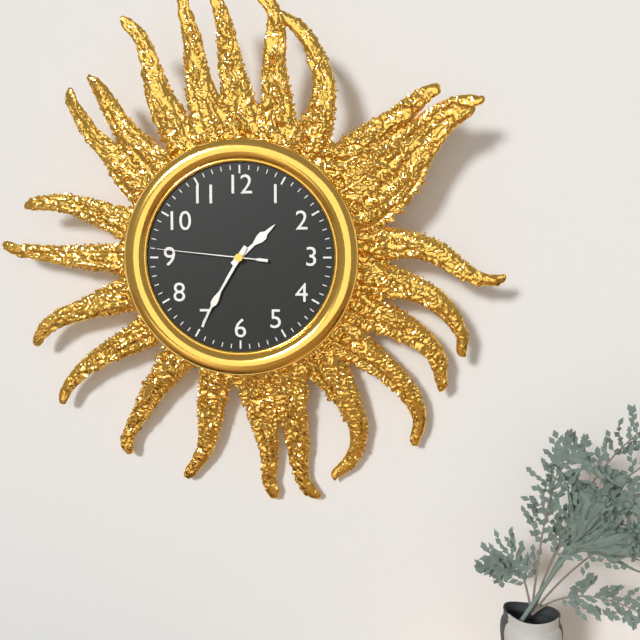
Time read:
1.35.46
